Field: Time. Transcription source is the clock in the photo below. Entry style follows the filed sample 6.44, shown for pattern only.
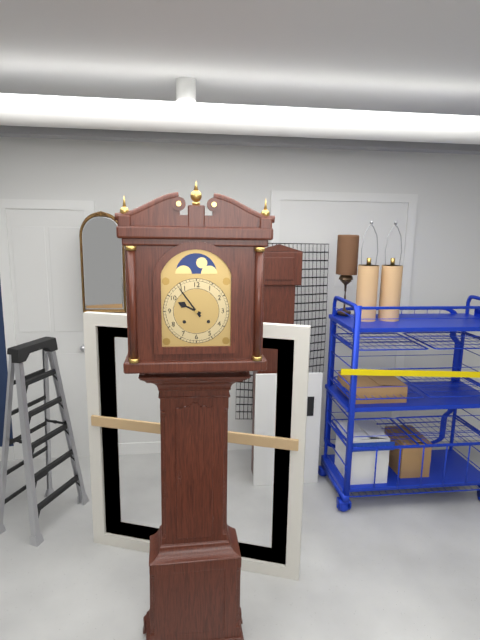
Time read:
9.54
